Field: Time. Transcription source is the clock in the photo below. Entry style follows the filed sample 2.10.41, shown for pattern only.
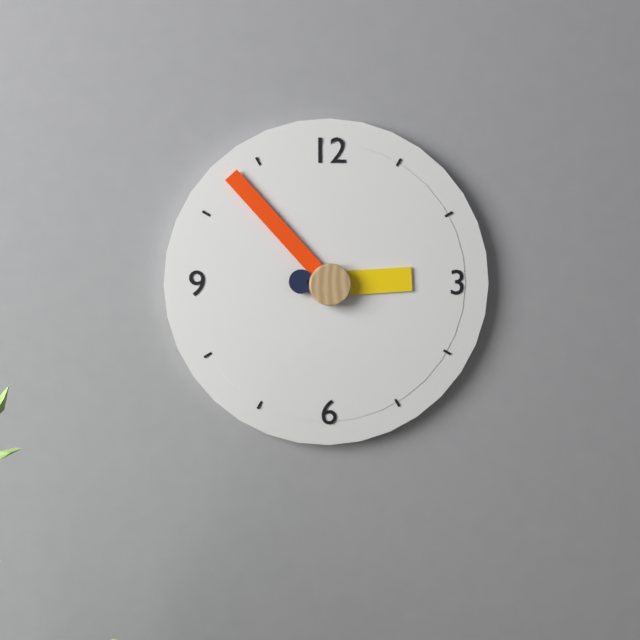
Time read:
2.53.46
